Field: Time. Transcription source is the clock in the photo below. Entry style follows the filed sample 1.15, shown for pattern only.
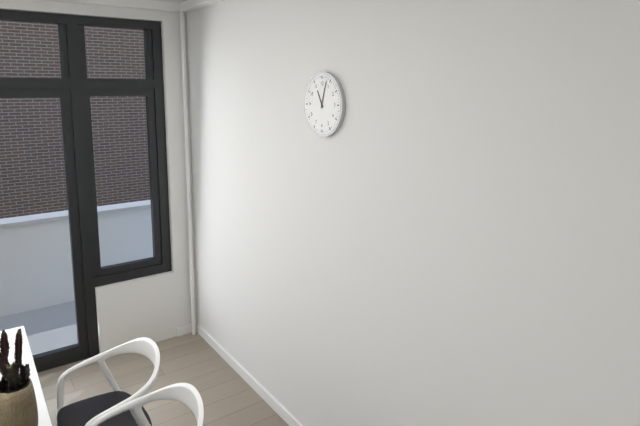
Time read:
11.03
